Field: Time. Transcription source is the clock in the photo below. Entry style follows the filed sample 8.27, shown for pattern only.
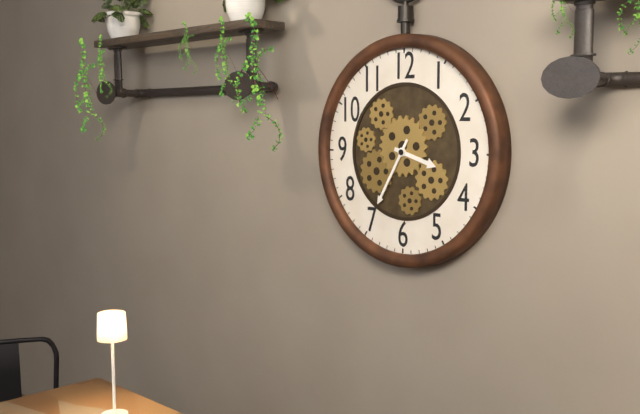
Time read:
3.35
